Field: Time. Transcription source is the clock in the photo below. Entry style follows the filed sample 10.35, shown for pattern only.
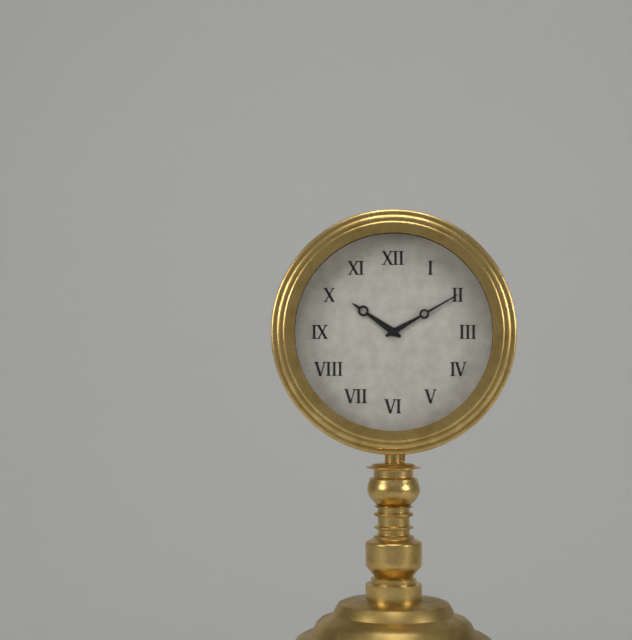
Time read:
10.10
